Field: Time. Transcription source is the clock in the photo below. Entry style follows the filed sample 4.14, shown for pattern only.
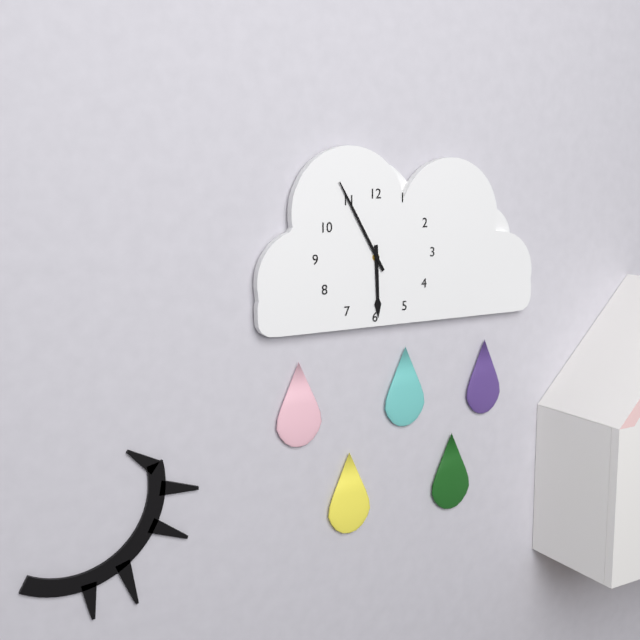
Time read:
5.55
